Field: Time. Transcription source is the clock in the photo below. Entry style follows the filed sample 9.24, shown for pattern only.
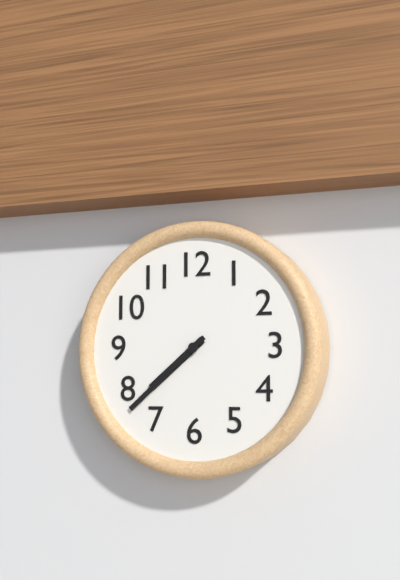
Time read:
7.38
